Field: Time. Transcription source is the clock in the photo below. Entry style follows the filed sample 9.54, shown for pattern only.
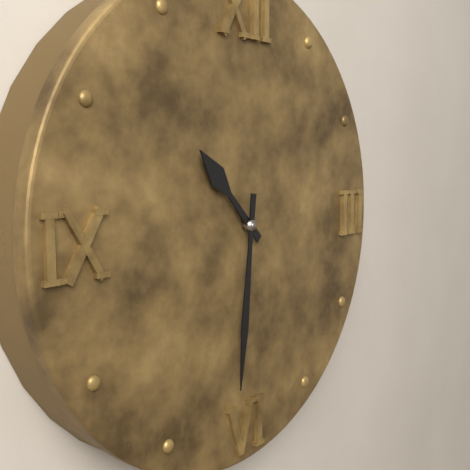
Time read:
10.31
